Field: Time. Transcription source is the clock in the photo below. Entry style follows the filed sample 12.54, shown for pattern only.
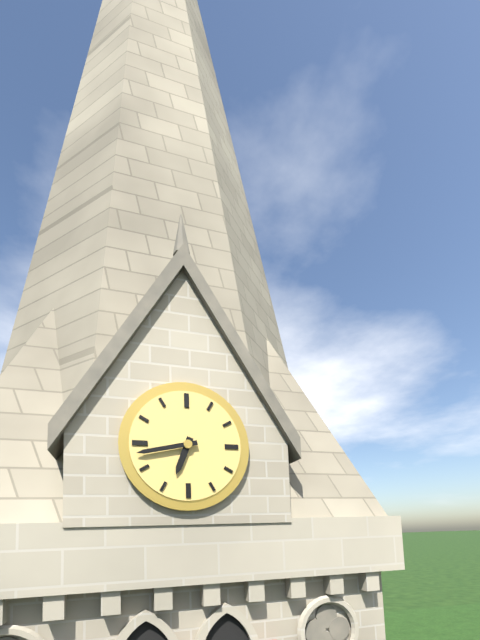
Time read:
6.43
